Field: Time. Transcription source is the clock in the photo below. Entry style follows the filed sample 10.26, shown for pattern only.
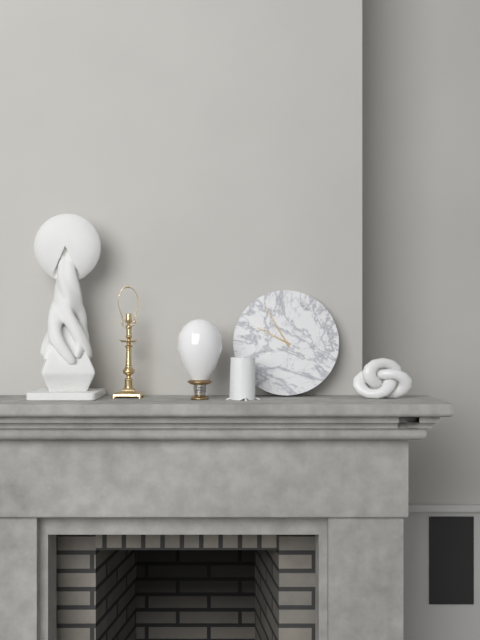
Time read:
9.55
